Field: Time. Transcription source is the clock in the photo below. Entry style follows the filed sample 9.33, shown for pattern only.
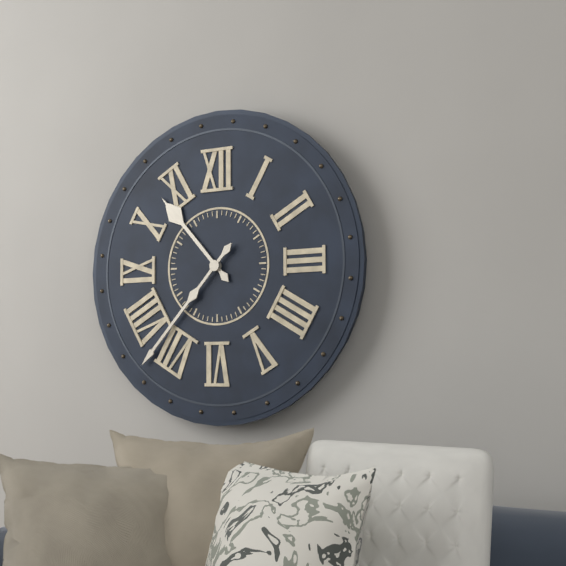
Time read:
10.37
